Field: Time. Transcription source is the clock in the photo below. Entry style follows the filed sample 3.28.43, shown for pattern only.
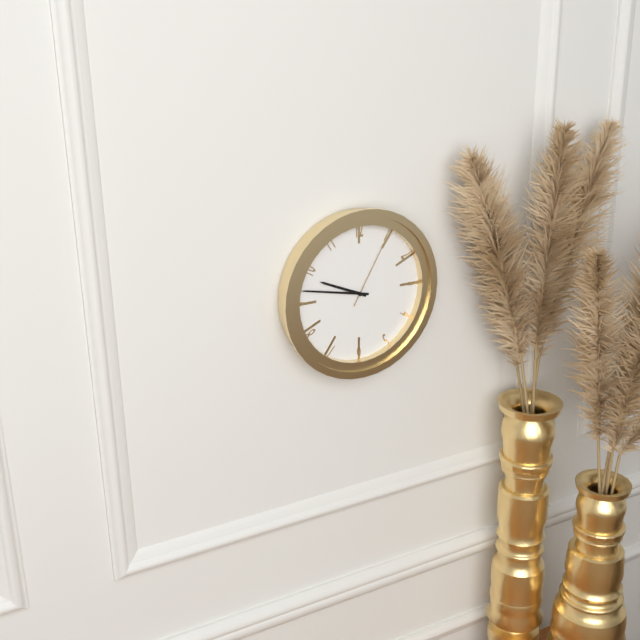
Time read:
9.47.05
